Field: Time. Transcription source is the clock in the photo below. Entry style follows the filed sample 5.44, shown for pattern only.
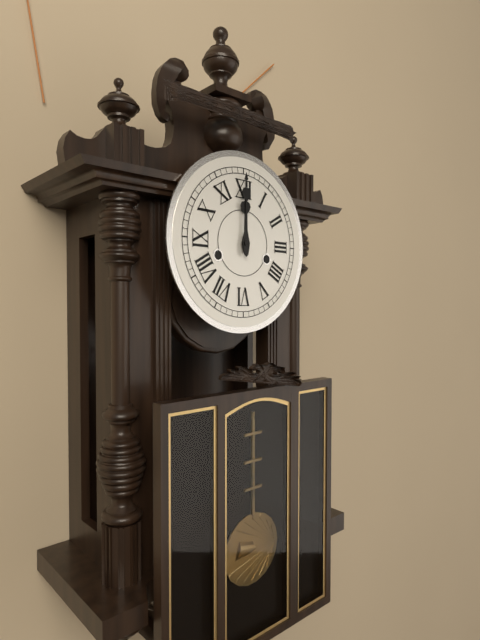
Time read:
12.00
